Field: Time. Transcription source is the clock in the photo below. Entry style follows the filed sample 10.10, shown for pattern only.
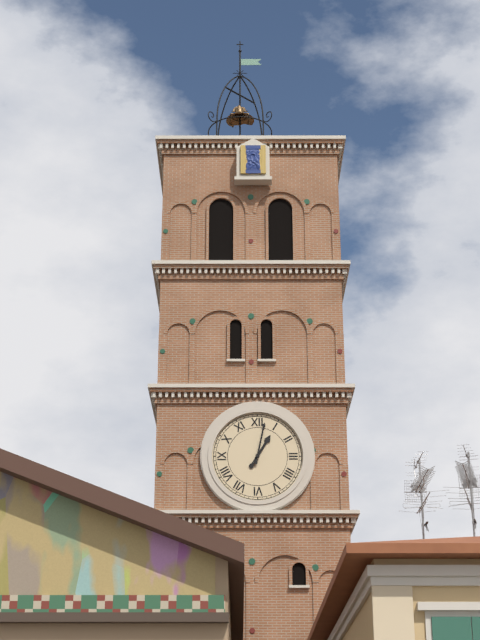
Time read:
1.02
